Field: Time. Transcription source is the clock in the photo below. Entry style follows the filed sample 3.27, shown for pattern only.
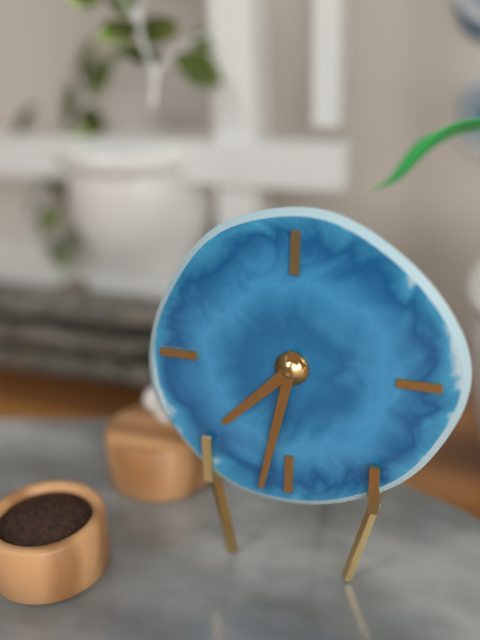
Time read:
7.32
